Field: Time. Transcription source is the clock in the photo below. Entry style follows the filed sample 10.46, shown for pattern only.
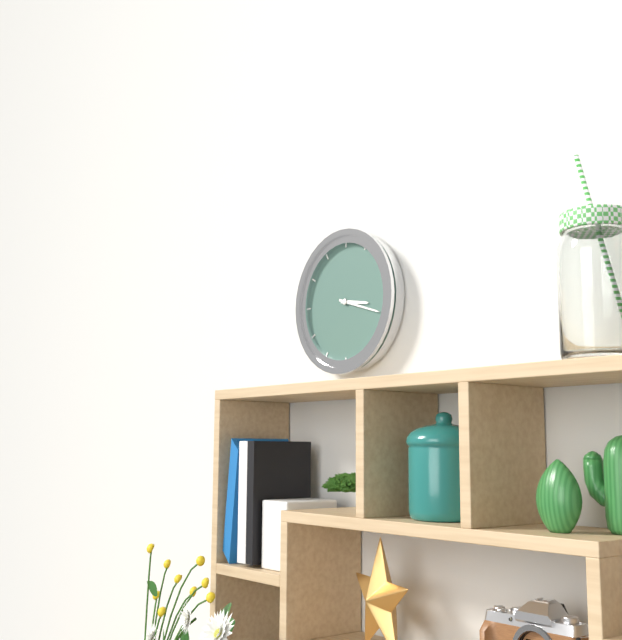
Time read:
3.18
